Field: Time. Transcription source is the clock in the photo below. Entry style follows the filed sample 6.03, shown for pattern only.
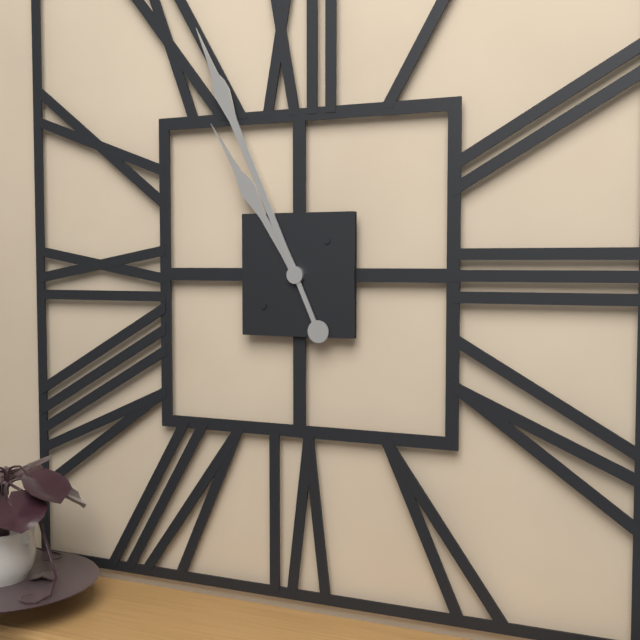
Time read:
10.56
